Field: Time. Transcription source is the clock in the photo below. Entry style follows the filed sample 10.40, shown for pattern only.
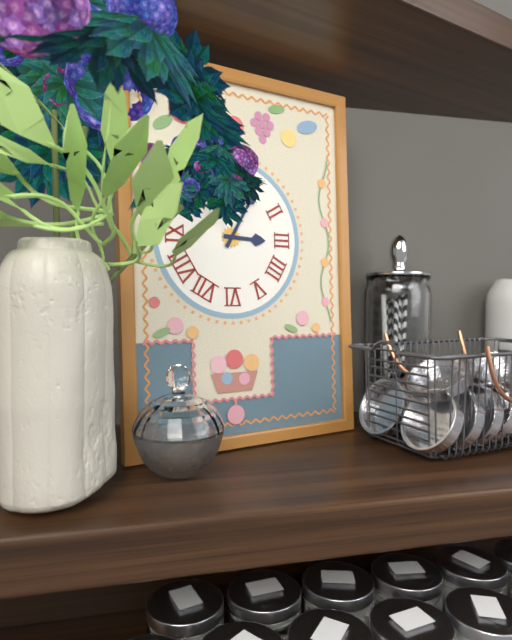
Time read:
3.05
